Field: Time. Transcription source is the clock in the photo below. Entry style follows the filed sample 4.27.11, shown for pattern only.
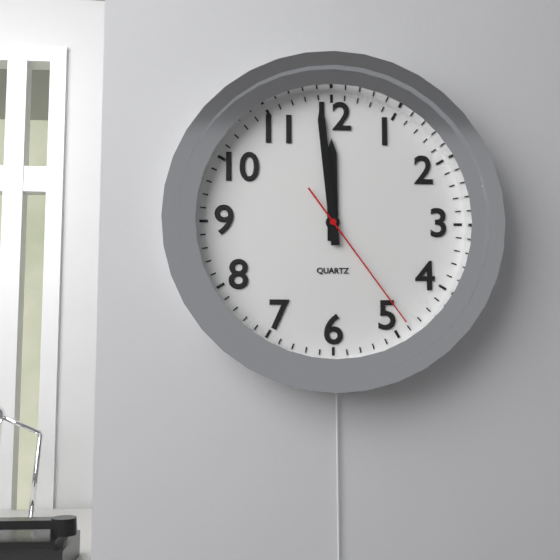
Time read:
11.59.24
